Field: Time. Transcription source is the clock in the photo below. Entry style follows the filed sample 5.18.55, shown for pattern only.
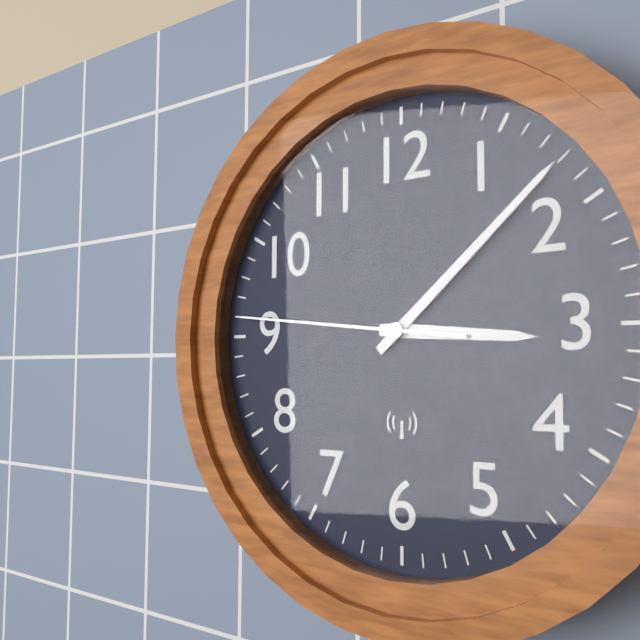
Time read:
3.08.46
